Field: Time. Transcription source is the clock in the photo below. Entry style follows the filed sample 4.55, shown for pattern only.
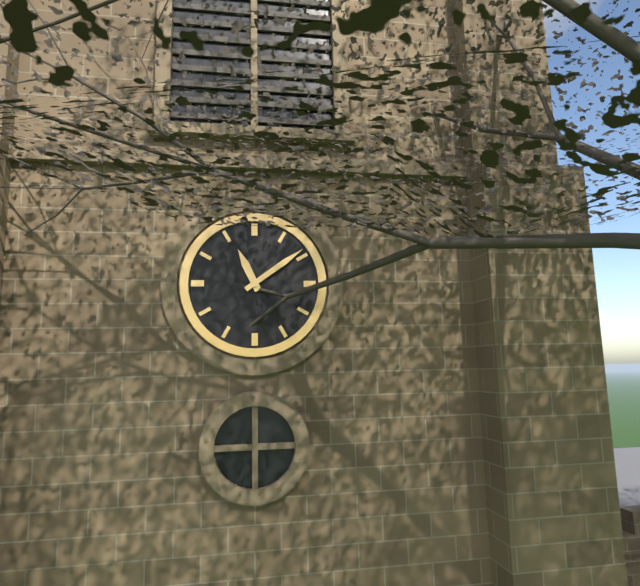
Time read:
11.09
